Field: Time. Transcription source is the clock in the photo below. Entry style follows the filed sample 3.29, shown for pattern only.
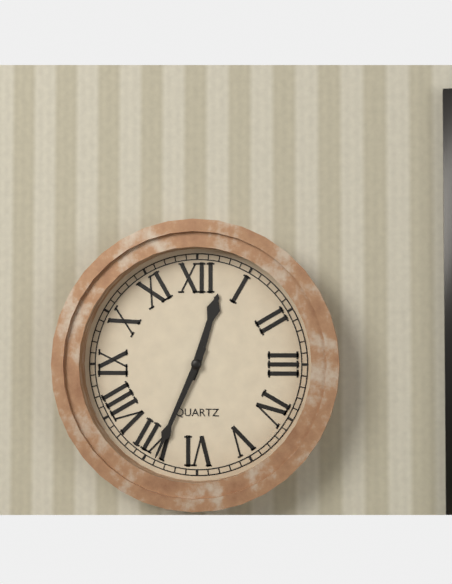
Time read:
12.34
